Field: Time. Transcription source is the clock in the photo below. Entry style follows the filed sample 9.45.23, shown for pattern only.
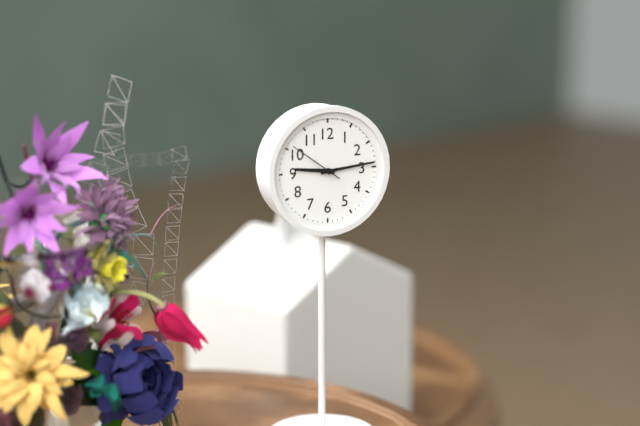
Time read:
9.14.51
